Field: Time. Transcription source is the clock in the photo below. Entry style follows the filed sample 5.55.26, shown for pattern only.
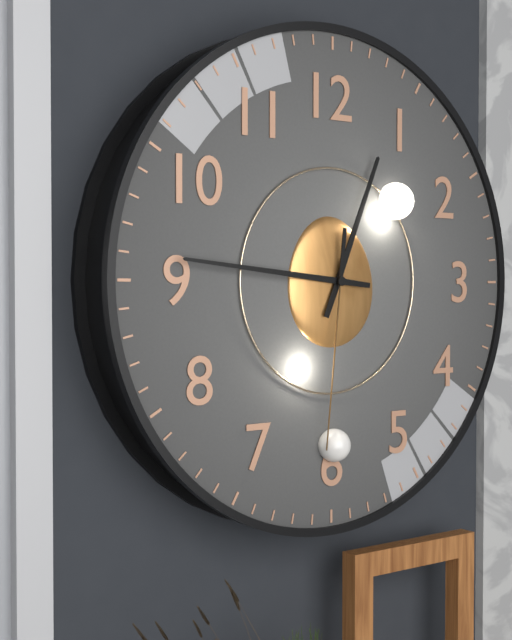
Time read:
12.46.31
